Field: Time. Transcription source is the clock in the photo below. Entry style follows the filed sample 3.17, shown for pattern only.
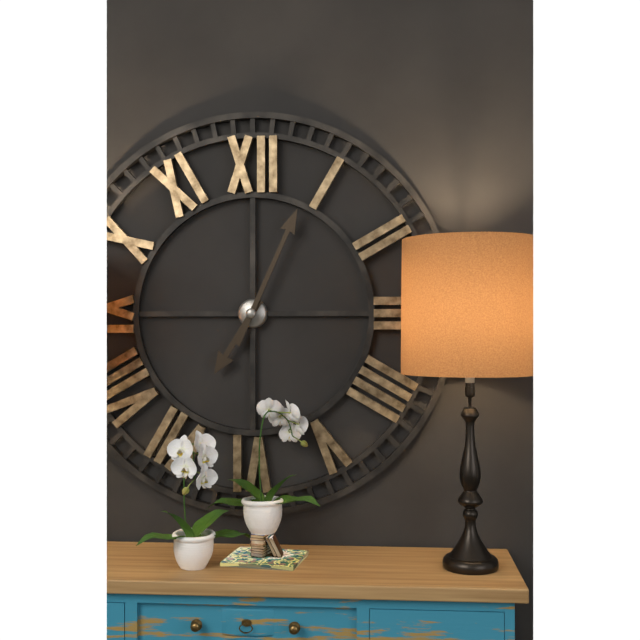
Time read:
7.04
